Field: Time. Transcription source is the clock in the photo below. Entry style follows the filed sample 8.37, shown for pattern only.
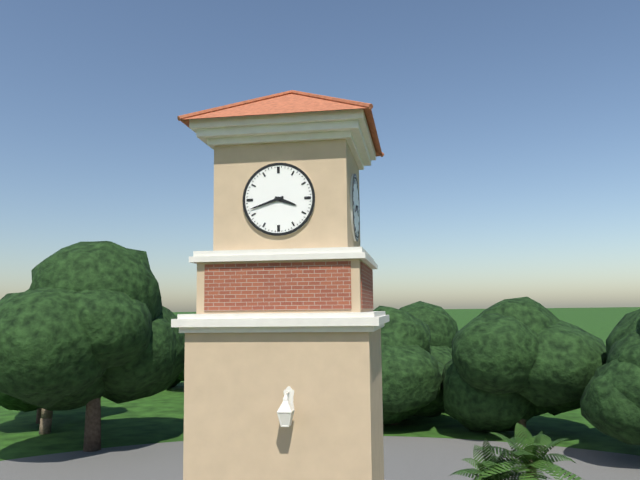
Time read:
3.42
